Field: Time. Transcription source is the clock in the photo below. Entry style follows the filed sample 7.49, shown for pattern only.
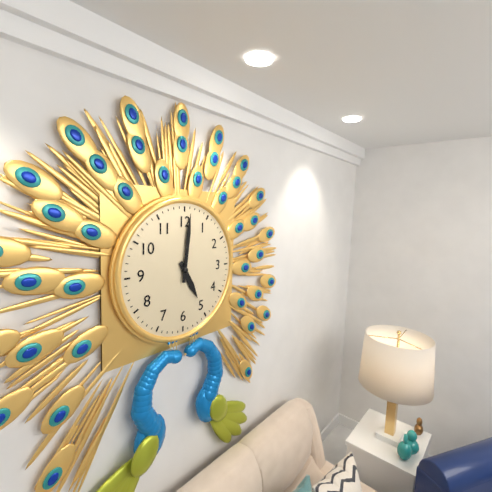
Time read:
5.01
